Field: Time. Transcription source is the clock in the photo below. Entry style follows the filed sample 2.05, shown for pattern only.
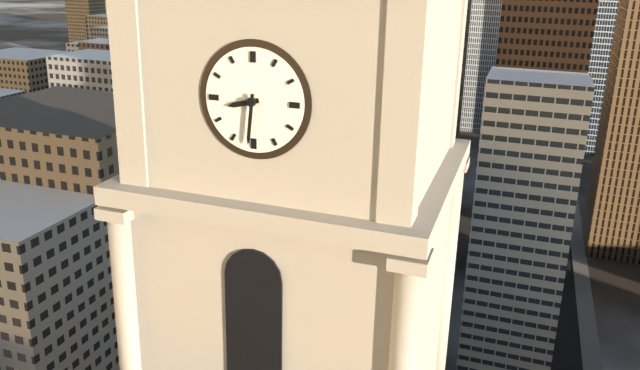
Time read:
8.31
